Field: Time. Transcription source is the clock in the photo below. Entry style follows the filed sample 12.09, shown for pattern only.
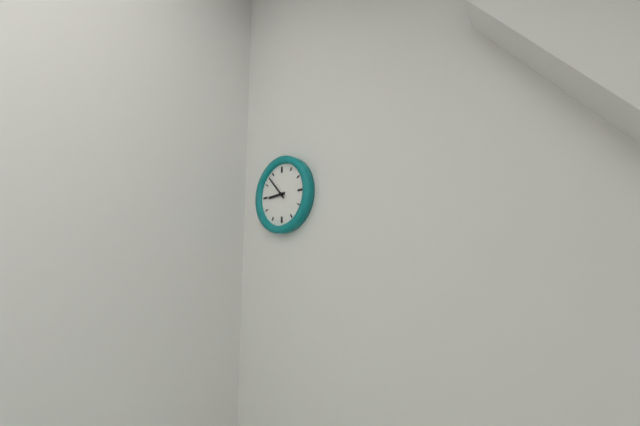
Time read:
8.53
